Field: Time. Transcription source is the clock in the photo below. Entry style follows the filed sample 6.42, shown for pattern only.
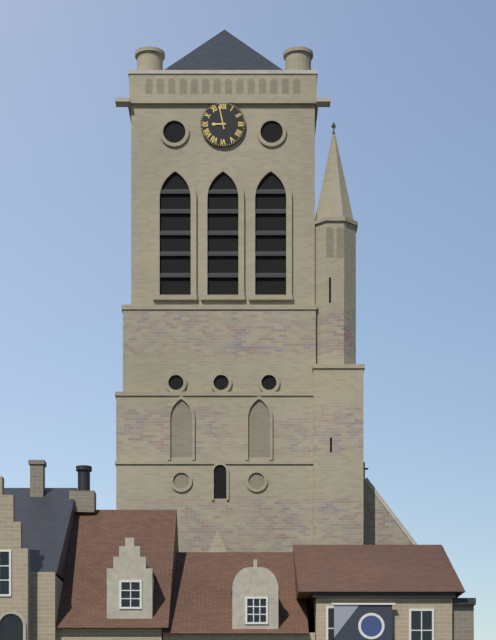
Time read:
8.58
